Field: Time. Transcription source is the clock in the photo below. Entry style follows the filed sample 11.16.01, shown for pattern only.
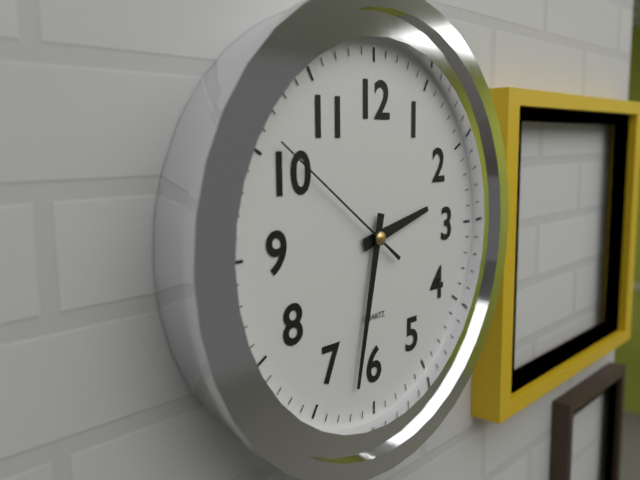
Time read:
2.32.51
